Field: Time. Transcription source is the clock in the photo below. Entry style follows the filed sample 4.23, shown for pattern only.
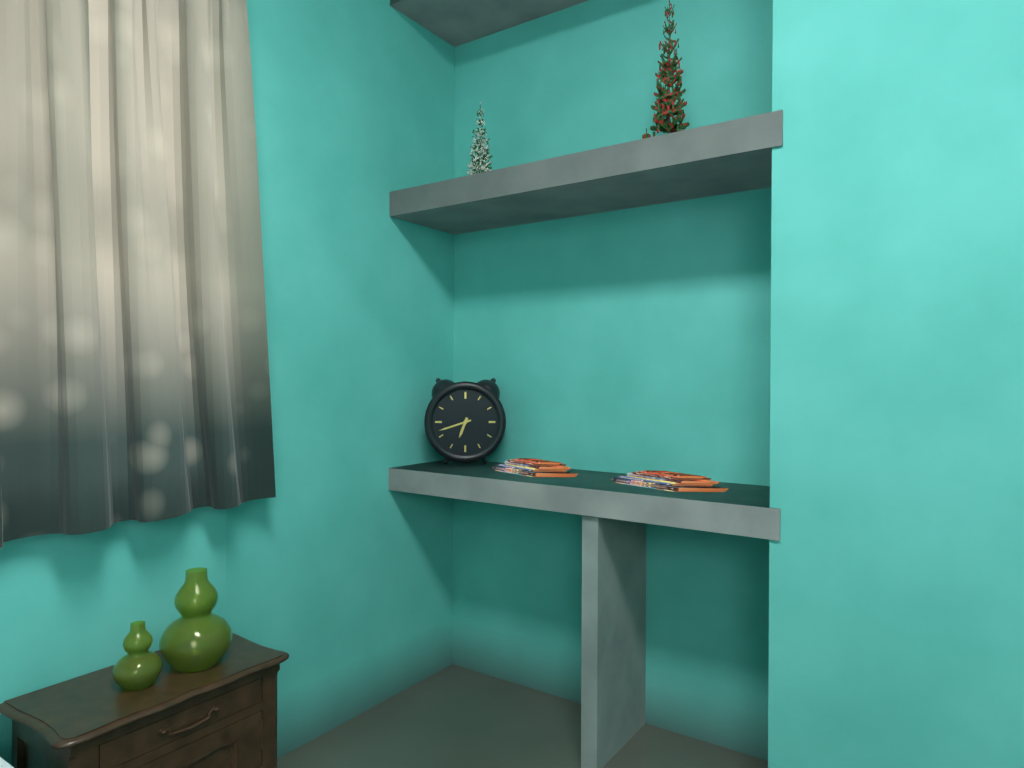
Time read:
6.42
